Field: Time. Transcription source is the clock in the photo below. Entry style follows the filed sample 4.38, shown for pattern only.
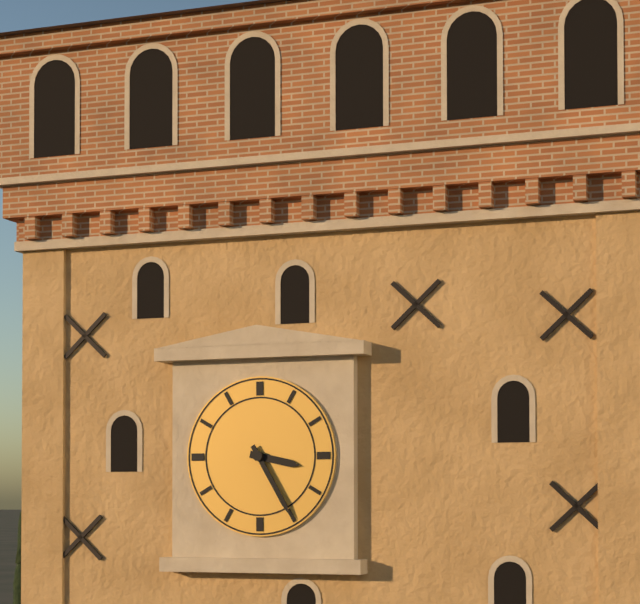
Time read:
3.25
